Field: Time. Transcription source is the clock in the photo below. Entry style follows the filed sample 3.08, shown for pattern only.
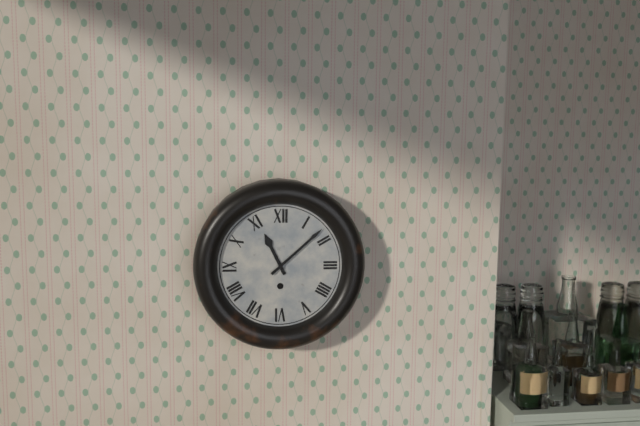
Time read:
11.08
